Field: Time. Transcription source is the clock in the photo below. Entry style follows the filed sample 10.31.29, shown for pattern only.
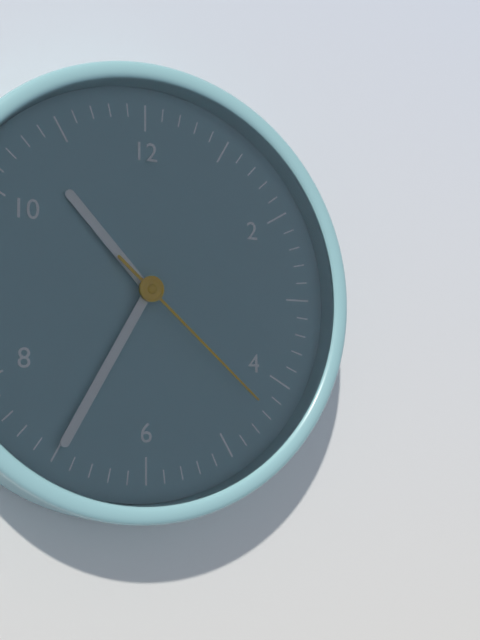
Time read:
10.35.22
